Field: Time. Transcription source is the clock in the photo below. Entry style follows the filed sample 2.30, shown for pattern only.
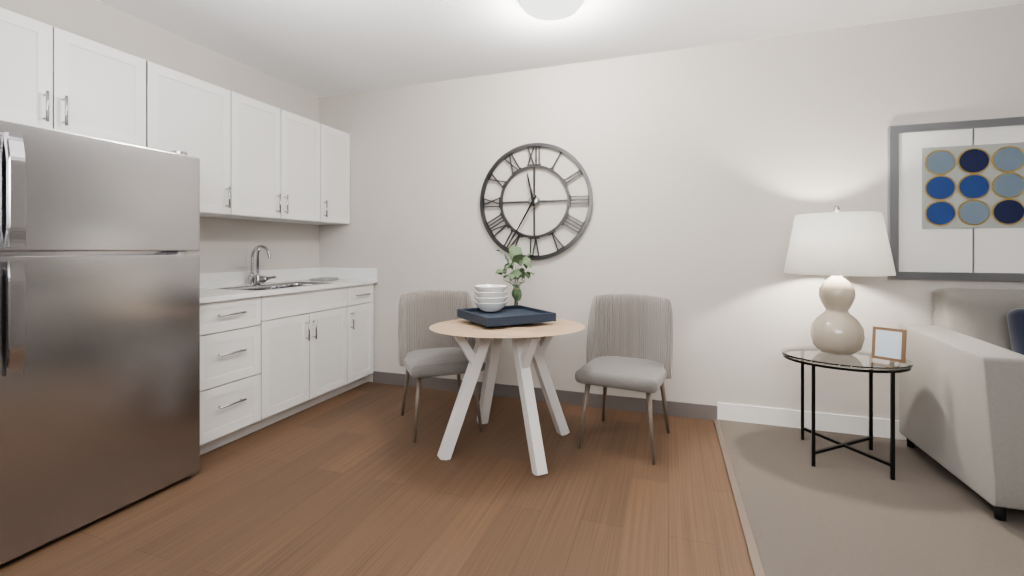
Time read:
11.35
